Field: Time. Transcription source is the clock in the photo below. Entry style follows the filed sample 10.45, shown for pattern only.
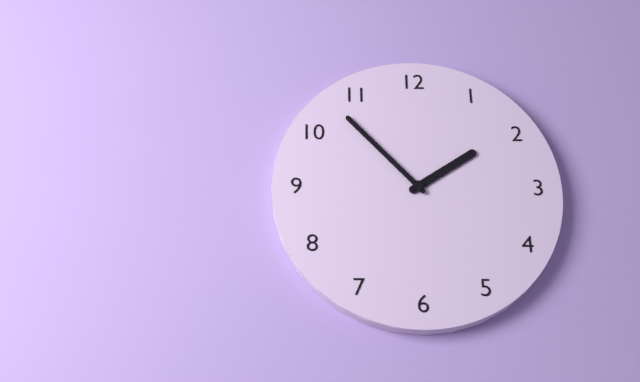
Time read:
1.53
